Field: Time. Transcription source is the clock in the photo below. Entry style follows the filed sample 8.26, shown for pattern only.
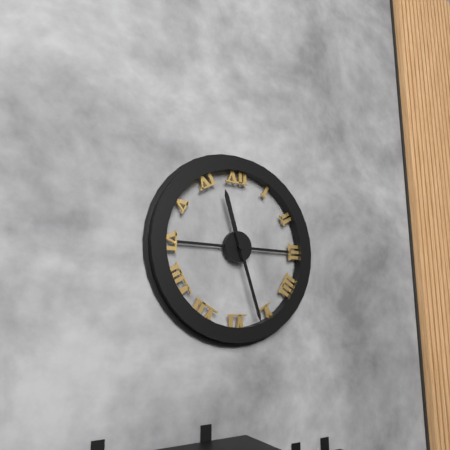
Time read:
11.27
